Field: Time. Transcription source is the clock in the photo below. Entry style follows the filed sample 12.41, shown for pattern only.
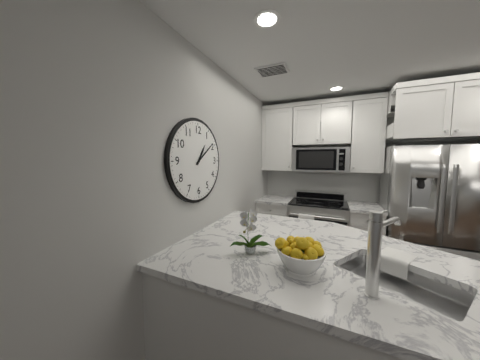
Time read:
1.09
